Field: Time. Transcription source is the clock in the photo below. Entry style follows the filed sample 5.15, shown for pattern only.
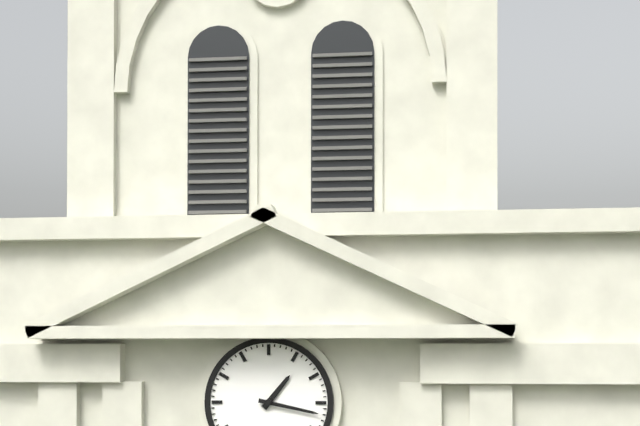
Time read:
1.17
